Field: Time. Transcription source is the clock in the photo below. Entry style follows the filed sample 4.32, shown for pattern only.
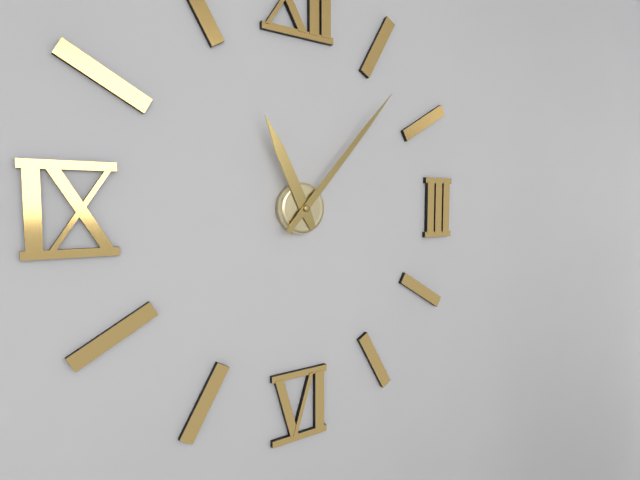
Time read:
11.07
